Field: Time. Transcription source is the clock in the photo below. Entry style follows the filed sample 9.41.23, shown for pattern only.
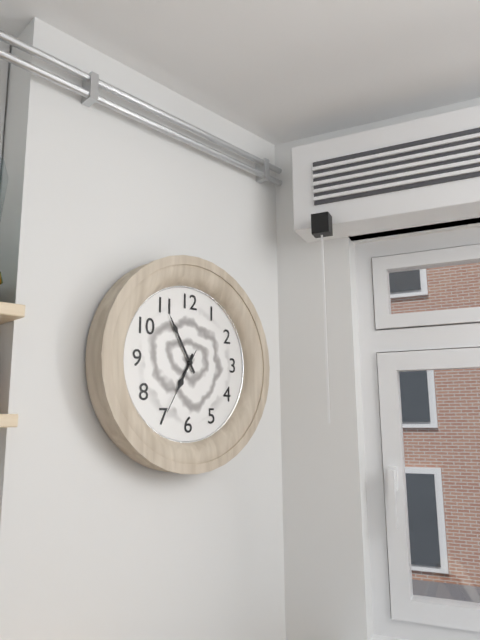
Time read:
6.55.35
